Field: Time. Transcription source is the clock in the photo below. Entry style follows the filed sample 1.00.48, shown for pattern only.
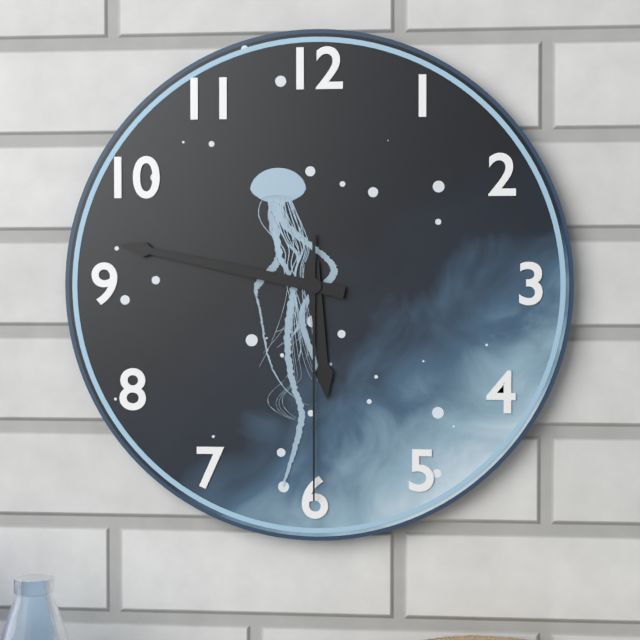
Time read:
5.47.30
